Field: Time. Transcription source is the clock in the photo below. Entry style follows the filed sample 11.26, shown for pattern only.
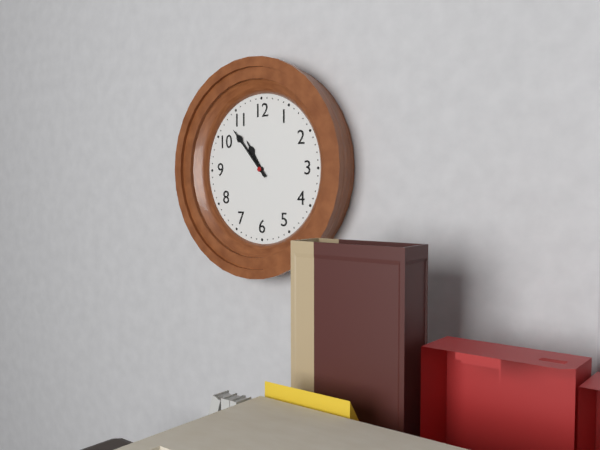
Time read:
10.53
